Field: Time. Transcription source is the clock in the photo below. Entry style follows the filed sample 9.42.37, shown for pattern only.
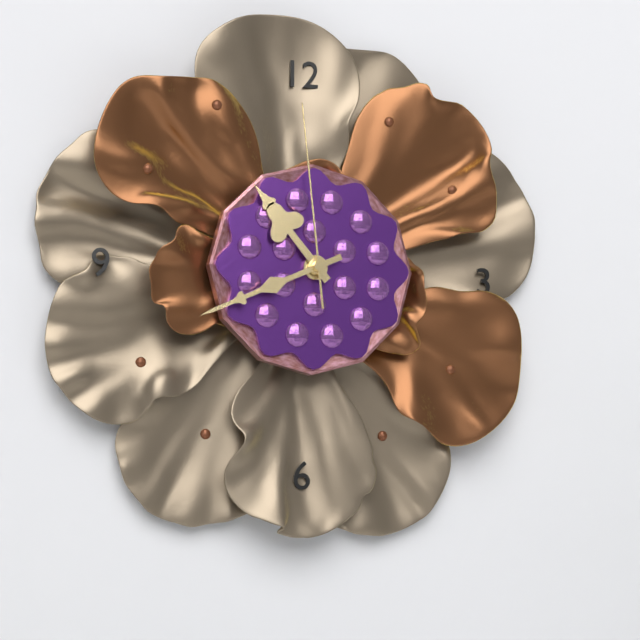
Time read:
10.41.59
